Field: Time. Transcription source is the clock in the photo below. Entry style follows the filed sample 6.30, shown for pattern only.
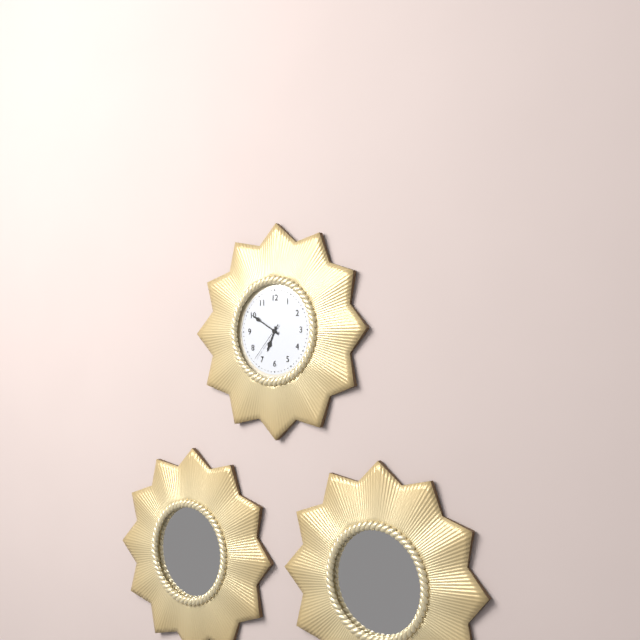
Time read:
6.50
